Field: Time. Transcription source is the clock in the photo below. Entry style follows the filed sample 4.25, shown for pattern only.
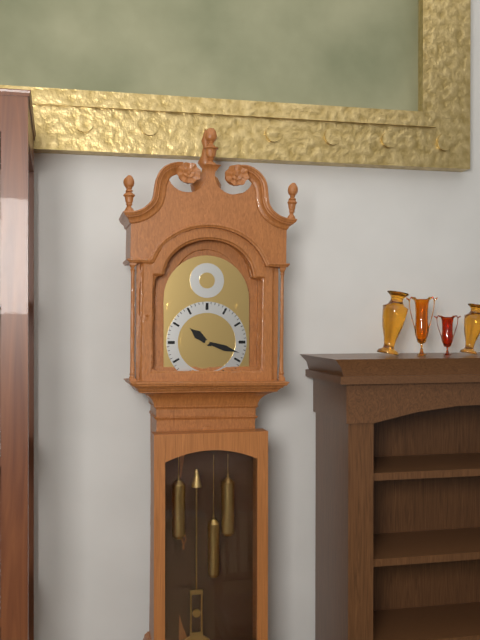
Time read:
10.18
